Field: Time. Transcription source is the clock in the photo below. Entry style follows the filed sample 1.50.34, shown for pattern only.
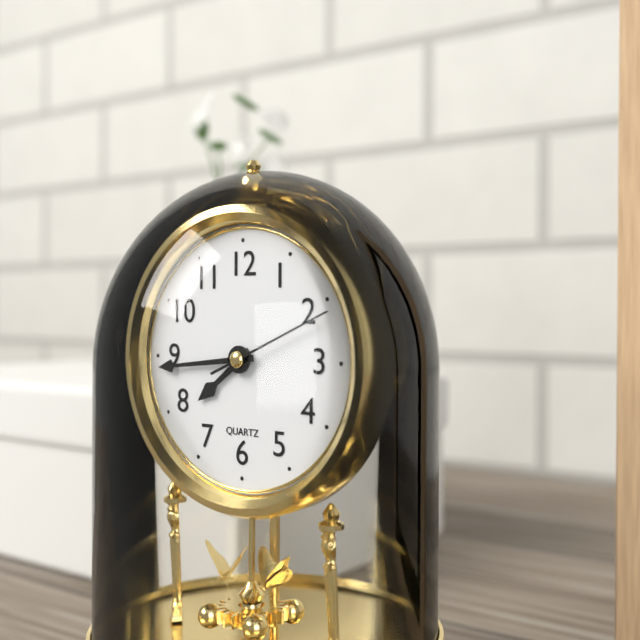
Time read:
7.44.11
